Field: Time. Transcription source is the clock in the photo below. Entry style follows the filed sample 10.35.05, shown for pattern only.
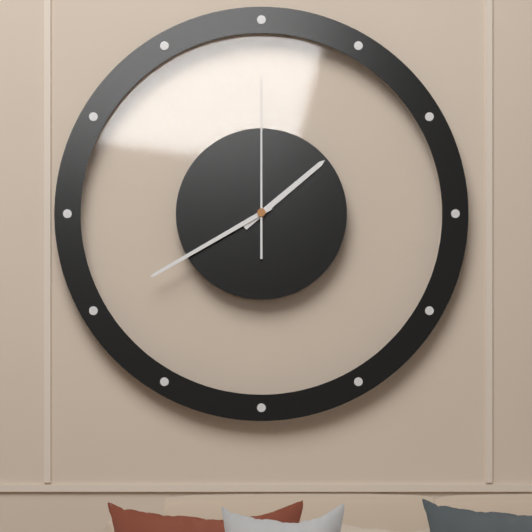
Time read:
1.40.00
